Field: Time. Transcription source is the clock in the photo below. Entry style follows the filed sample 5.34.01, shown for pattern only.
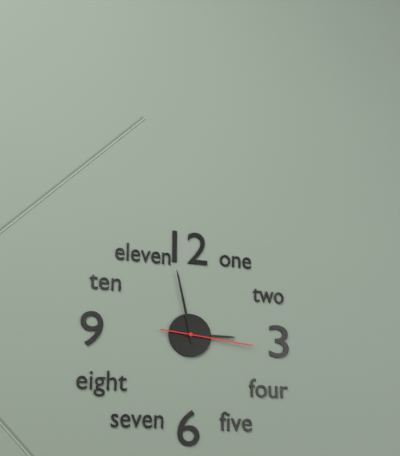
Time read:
2.58.16
